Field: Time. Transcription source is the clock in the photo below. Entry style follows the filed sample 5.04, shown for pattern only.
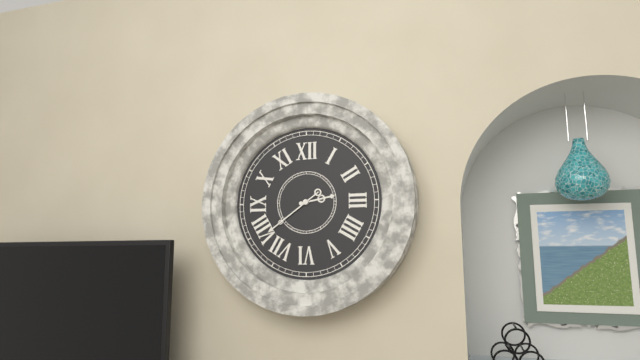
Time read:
2.39
